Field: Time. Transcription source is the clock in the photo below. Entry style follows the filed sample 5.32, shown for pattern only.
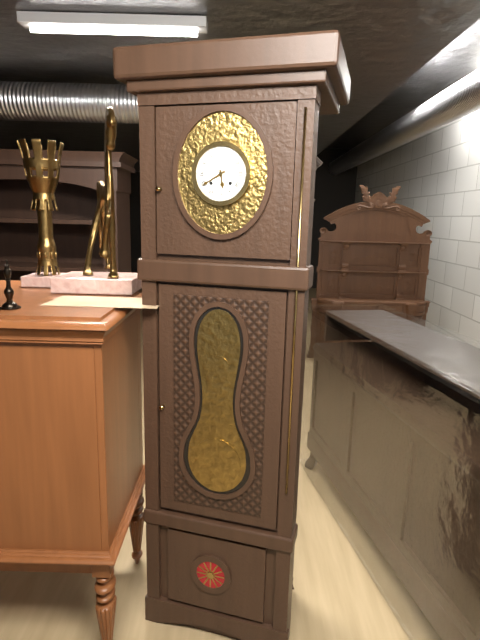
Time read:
5.40
